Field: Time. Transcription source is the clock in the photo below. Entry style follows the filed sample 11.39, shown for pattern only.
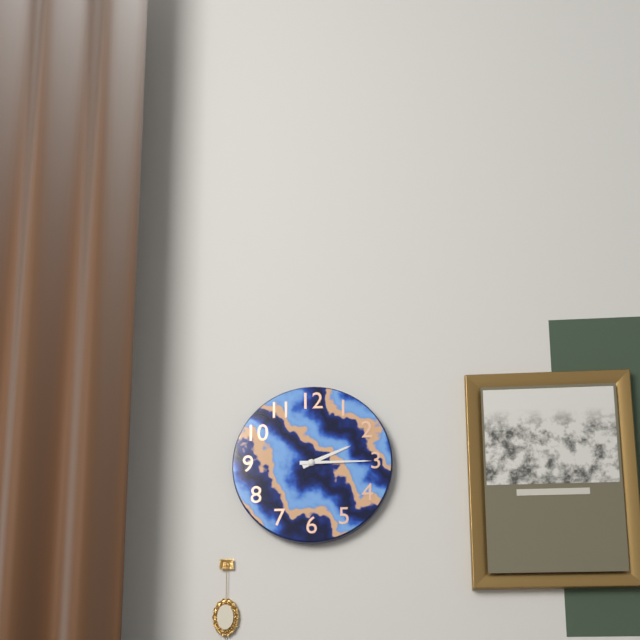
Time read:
2.15
